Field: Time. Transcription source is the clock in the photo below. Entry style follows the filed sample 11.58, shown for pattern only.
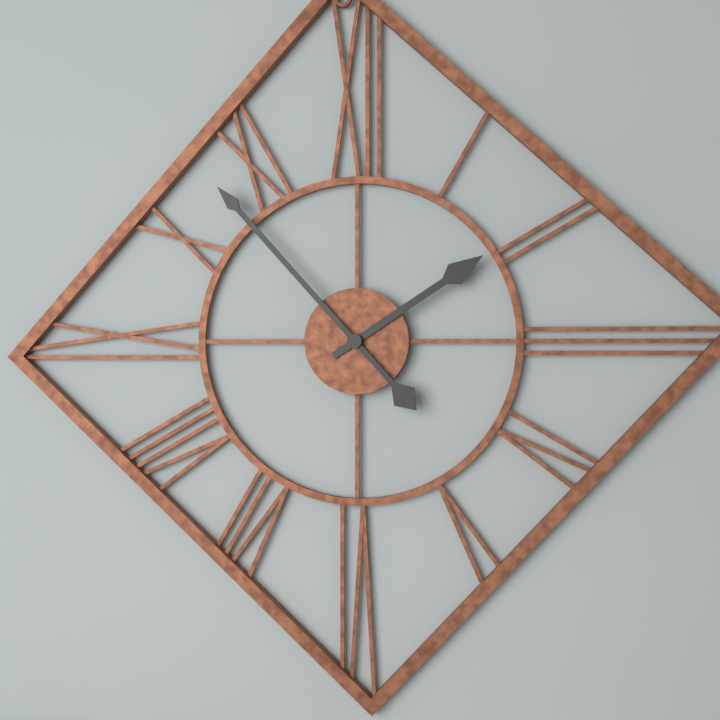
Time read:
1.53
